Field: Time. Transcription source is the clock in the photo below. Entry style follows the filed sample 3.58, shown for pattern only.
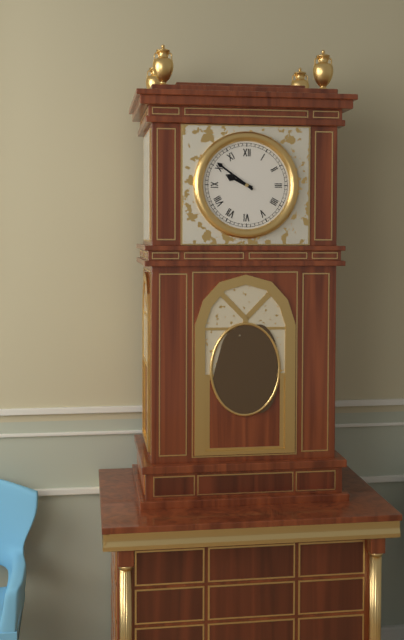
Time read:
9.51
